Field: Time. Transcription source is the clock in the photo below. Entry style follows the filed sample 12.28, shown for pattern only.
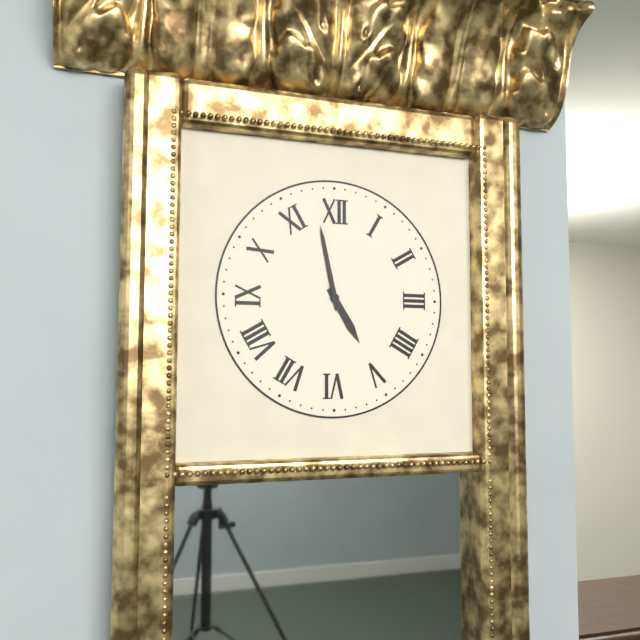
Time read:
4.58
